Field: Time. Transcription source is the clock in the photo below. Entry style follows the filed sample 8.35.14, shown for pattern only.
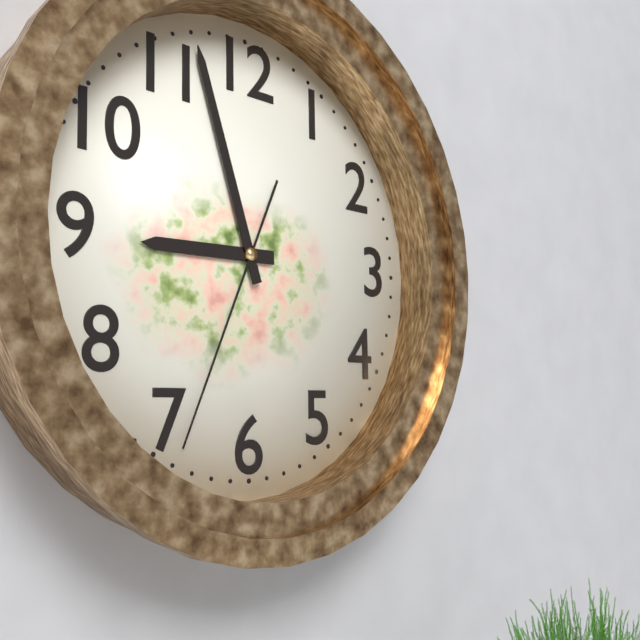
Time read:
8.57.34
